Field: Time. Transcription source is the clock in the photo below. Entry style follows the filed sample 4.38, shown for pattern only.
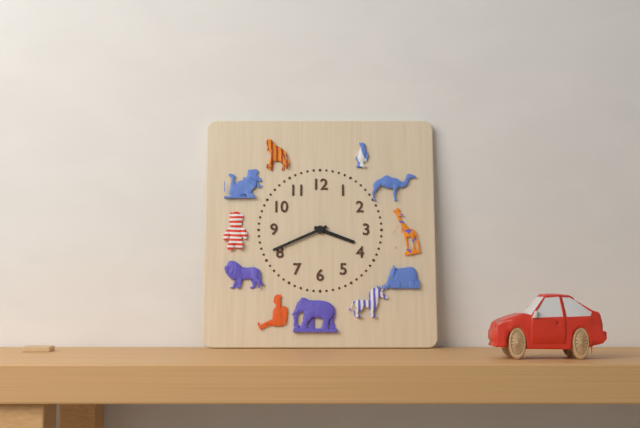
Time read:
3.41
